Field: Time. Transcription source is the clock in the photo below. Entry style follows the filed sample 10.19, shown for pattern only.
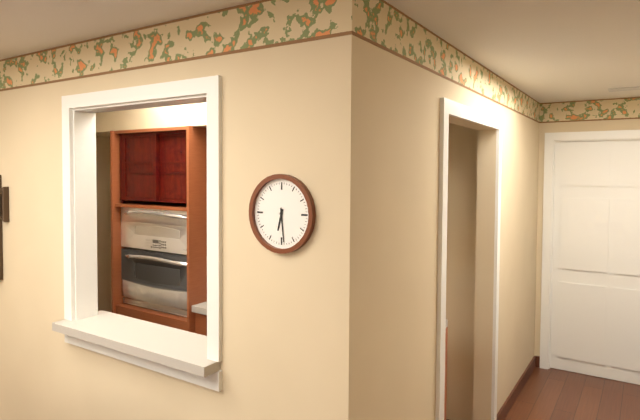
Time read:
6.29
